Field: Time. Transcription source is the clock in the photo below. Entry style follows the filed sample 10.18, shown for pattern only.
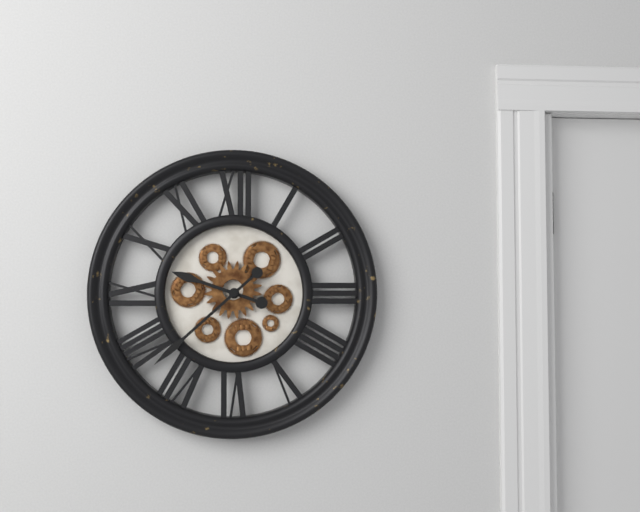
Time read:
9.38
